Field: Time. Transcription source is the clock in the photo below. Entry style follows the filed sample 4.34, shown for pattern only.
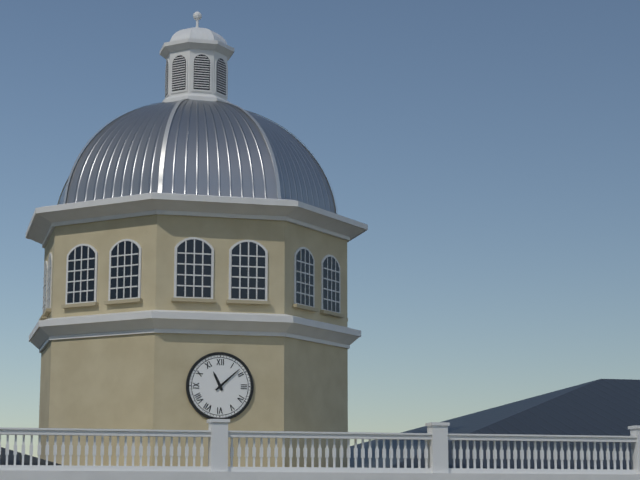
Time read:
11.08
